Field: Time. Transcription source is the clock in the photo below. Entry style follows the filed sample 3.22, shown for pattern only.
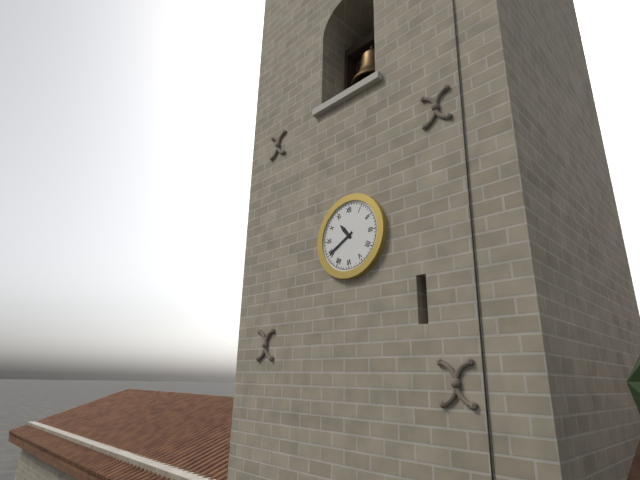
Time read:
10.40
